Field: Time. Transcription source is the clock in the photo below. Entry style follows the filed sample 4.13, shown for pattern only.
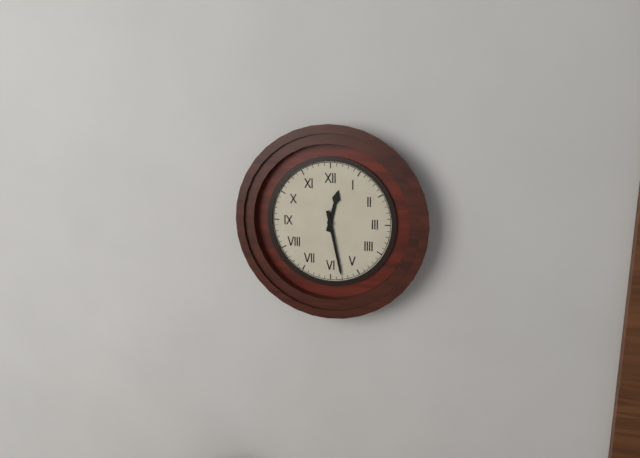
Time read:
12.28
